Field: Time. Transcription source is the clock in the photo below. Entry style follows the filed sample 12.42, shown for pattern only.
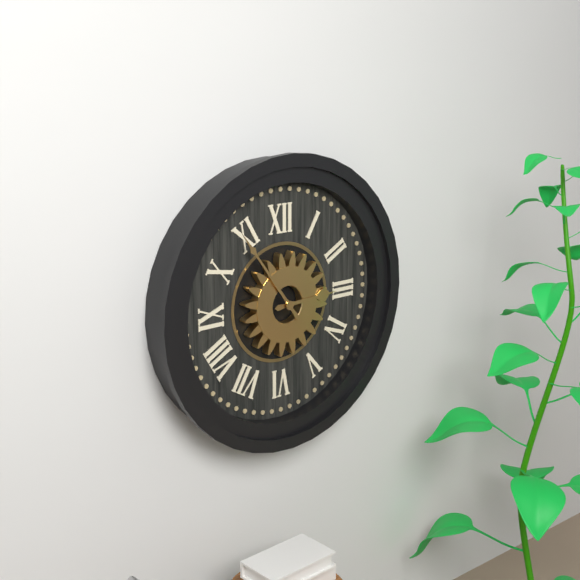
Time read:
2.54
